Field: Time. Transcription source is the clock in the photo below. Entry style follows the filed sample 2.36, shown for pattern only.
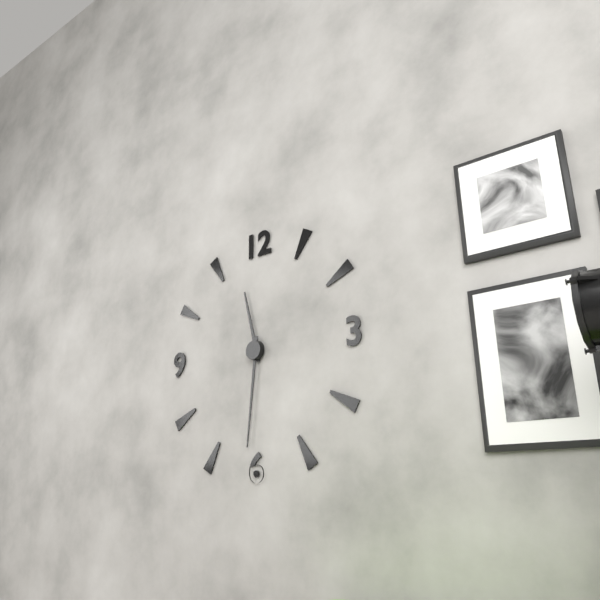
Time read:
11.31
